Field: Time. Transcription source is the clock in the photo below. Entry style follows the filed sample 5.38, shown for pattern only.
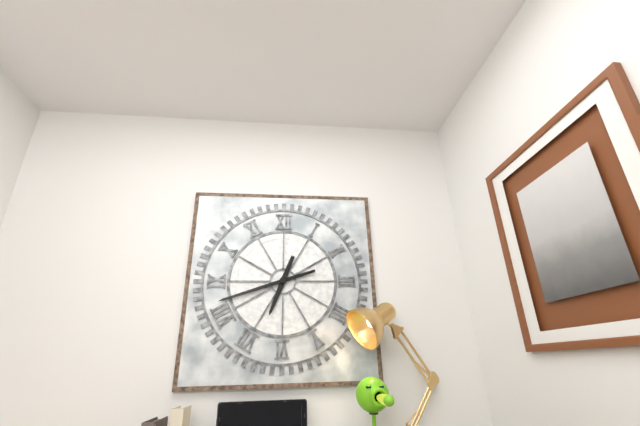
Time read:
6.42
